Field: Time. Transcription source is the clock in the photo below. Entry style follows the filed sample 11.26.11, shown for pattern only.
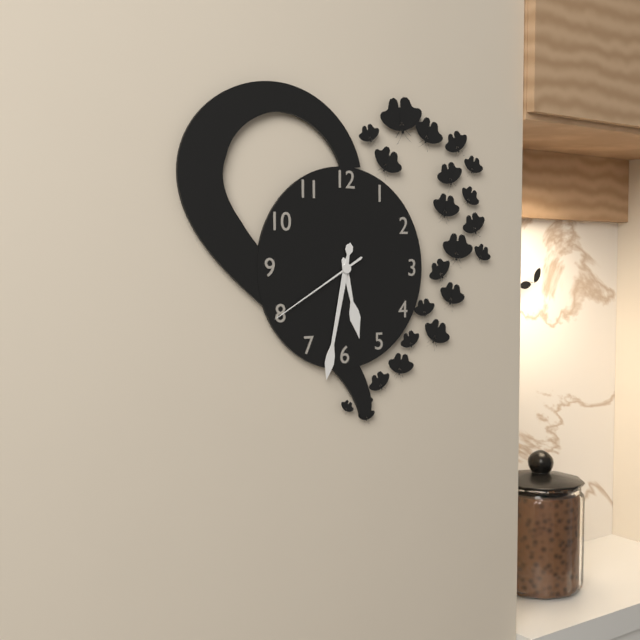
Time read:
5.32.40
